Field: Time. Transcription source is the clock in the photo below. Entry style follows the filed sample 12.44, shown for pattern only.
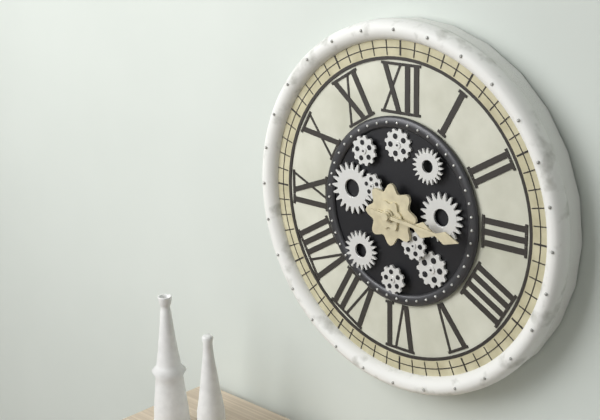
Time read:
3.16
